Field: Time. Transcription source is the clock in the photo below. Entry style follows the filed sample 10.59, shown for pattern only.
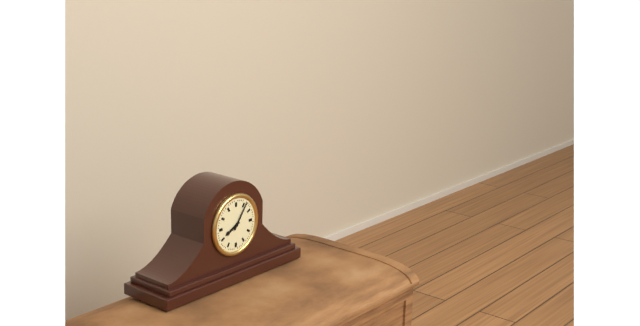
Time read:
8.06
